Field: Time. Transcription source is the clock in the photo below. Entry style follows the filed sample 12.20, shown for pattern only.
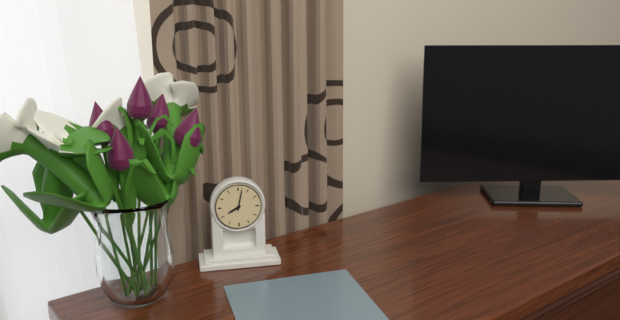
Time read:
8.02
